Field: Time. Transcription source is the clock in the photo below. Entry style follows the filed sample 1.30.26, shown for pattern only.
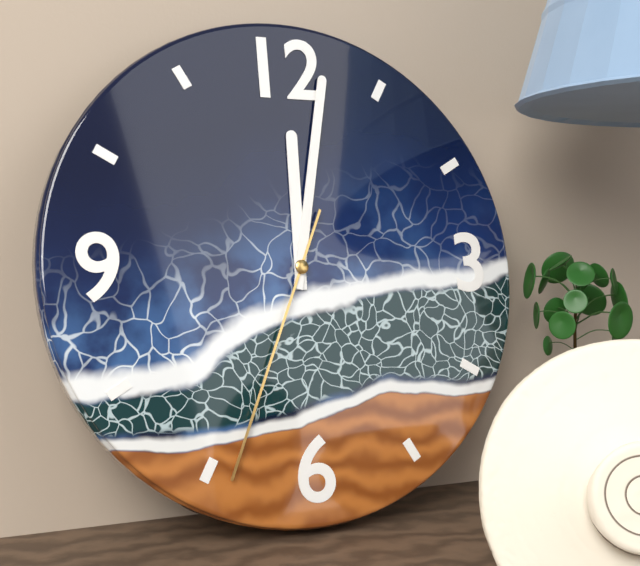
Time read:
12.02.34
